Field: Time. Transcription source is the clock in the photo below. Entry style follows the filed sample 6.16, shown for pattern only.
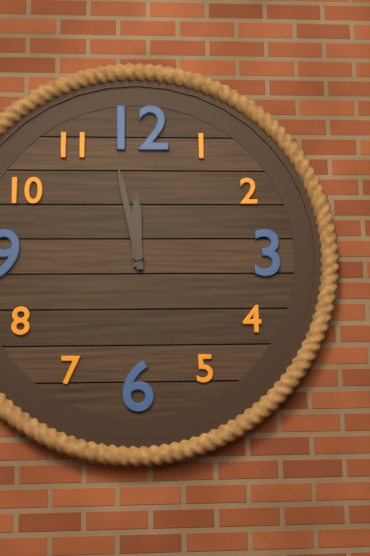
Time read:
11.58
